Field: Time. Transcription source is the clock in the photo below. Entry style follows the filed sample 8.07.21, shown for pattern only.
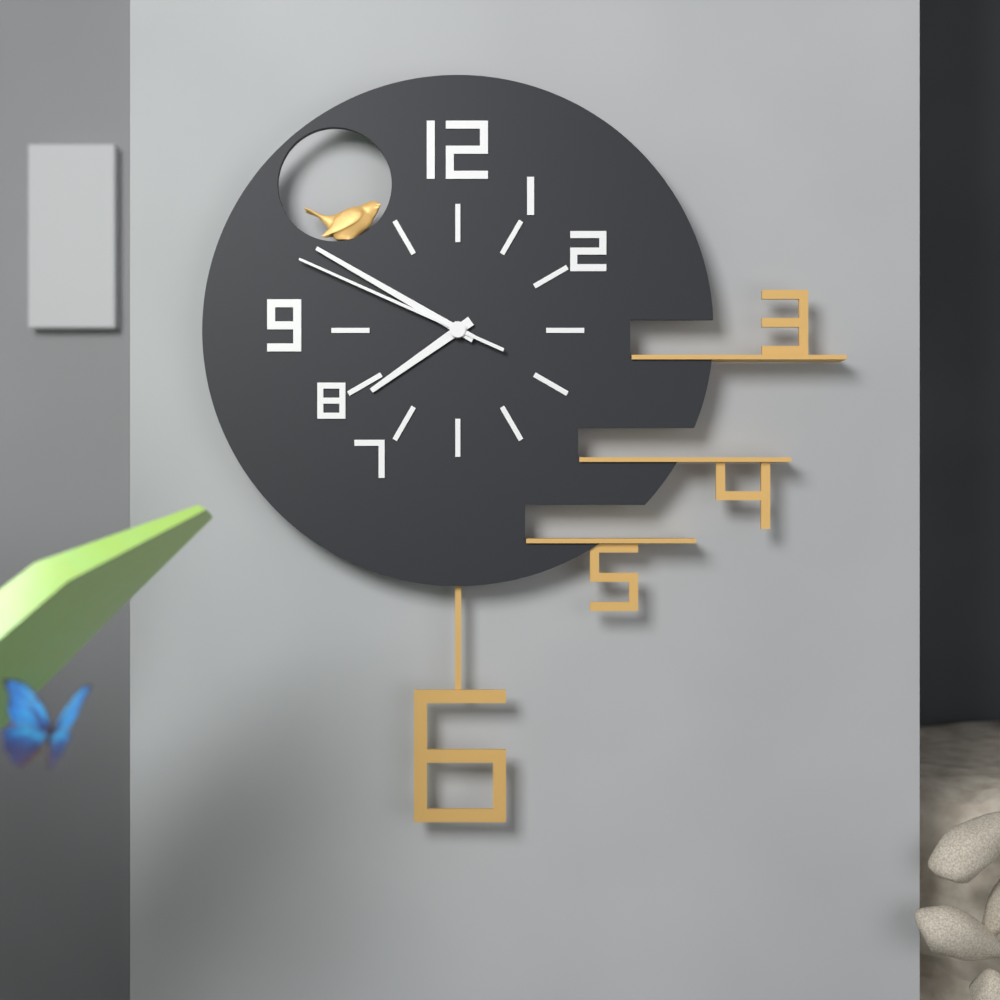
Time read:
7.50.49
